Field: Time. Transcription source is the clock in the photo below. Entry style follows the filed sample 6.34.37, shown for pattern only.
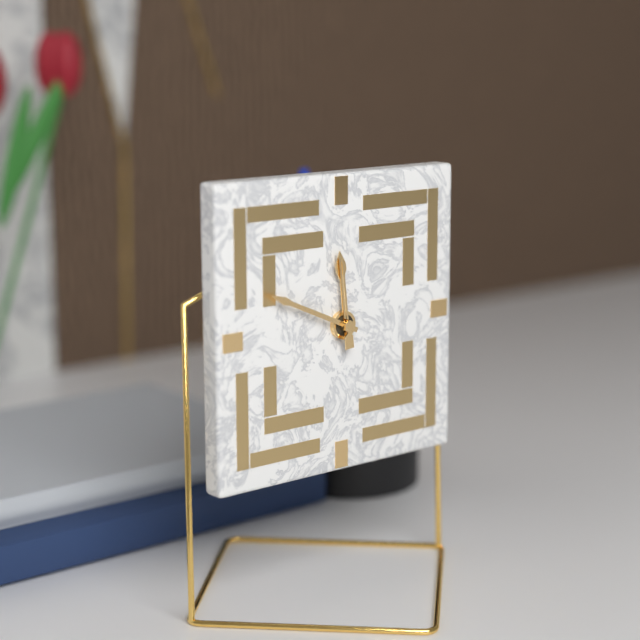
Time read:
11.49.59
